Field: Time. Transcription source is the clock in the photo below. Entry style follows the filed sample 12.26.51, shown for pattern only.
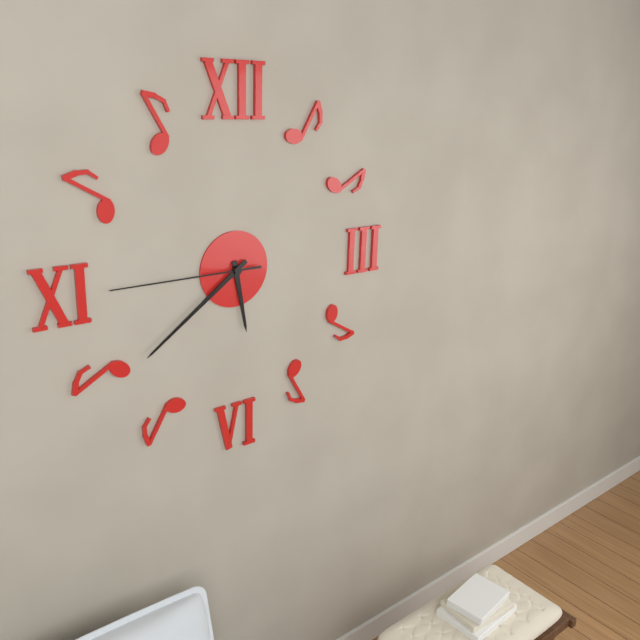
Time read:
5.39.45
